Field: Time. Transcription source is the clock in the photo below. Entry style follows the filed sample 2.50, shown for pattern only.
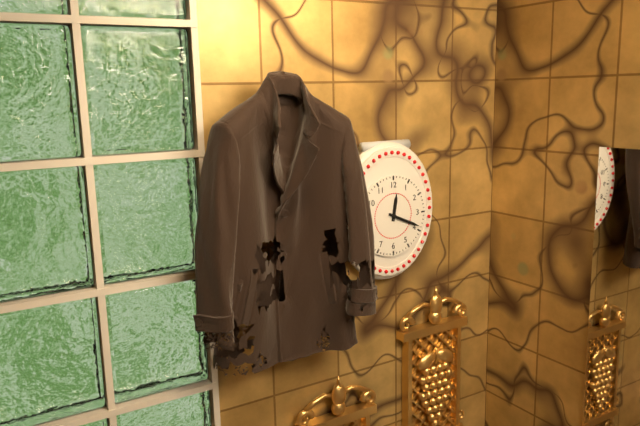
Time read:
12.19
